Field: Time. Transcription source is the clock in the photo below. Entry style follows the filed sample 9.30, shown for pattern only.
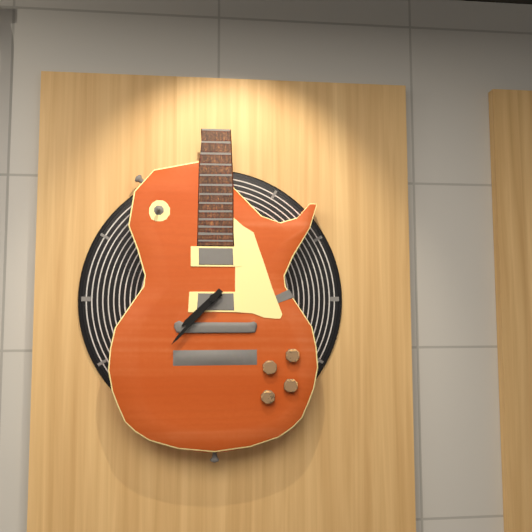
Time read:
7.37
